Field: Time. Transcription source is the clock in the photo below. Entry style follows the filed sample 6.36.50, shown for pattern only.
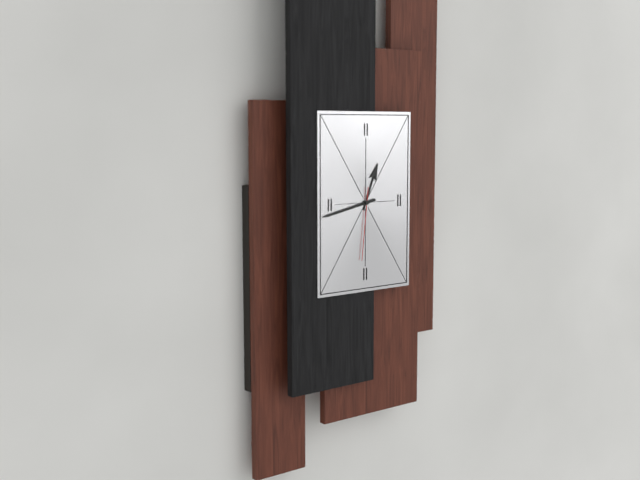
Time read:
12.43.31
